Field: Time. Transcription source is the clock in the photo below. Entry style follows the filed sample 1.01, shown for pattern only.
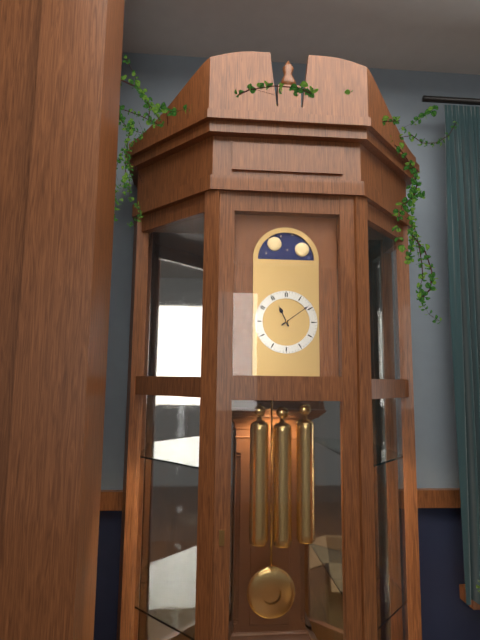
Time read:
11.09
